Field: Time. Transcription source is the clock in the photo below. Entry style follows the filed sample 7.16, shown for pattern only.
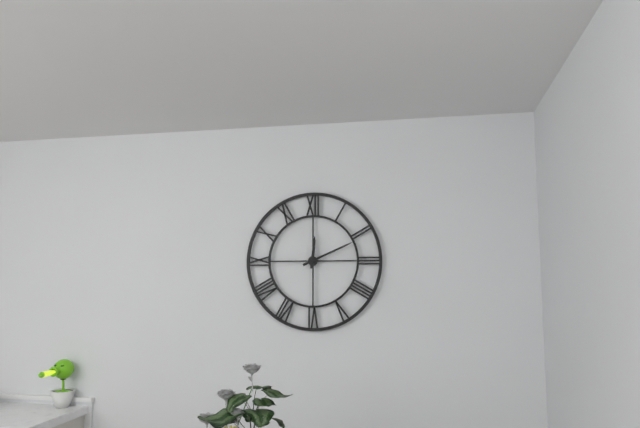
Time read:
12.11
